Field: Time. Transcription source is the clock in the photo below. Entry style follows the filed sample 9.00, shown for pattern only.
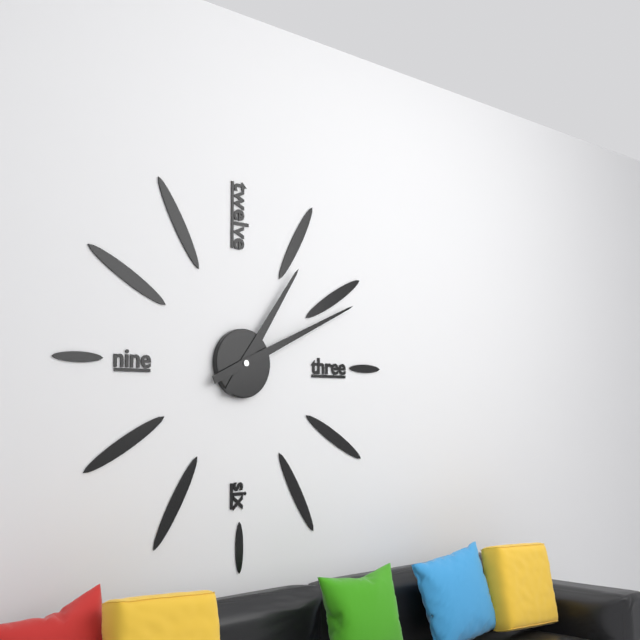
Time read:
1.11
